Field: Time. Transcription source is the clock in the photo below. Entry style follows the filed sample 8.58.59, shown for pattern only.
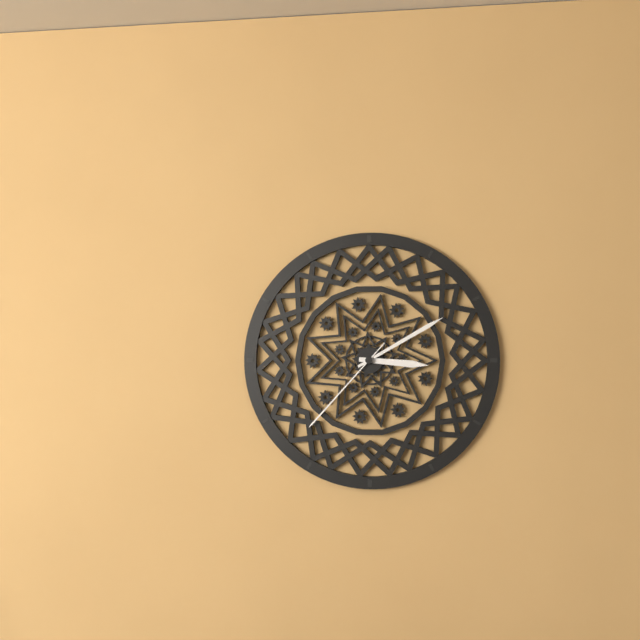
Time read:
3.10.37
